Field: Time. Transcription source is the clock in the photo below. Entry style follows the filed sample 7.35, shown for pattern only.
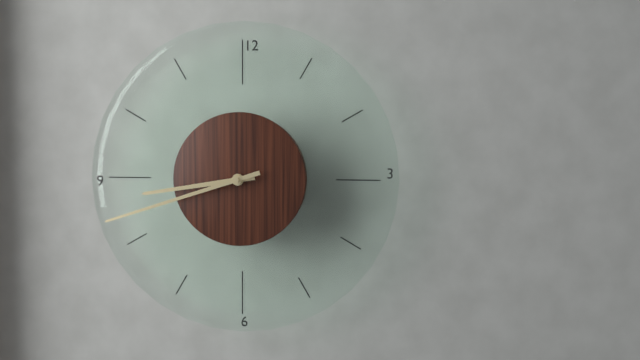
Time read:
8.42
